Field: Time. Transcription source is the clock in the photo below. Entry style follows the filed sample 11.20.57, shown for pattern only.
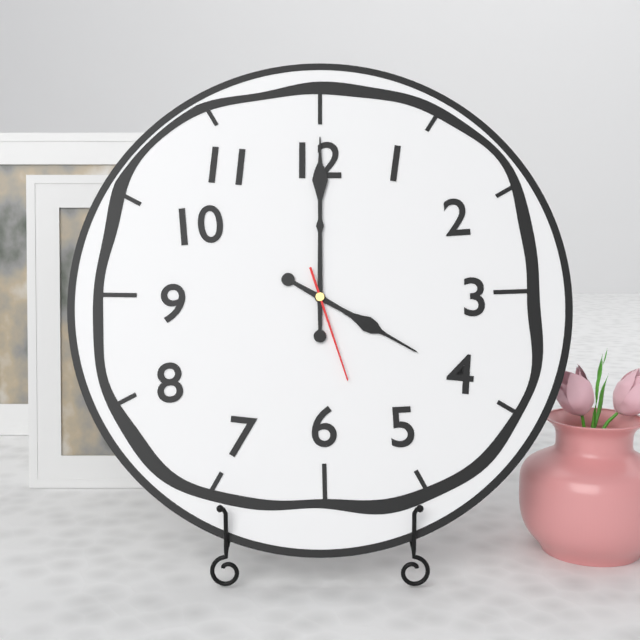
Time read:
4.00.27
